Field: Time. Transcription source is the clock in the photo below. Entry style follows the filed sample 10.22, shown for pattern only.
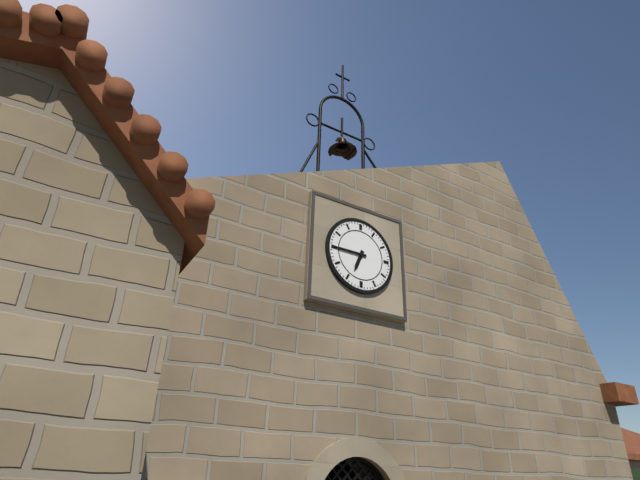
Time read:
6.45
